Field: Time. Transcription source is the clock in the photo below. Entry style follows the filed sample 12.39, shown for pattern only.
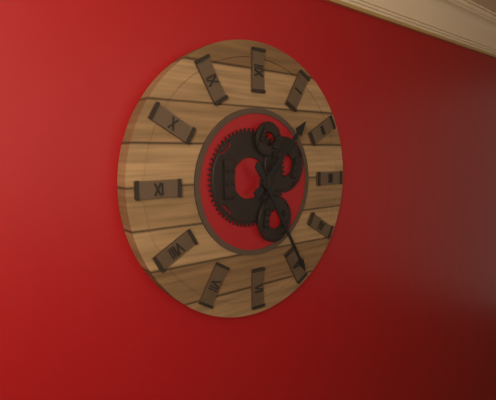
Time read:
1.25
